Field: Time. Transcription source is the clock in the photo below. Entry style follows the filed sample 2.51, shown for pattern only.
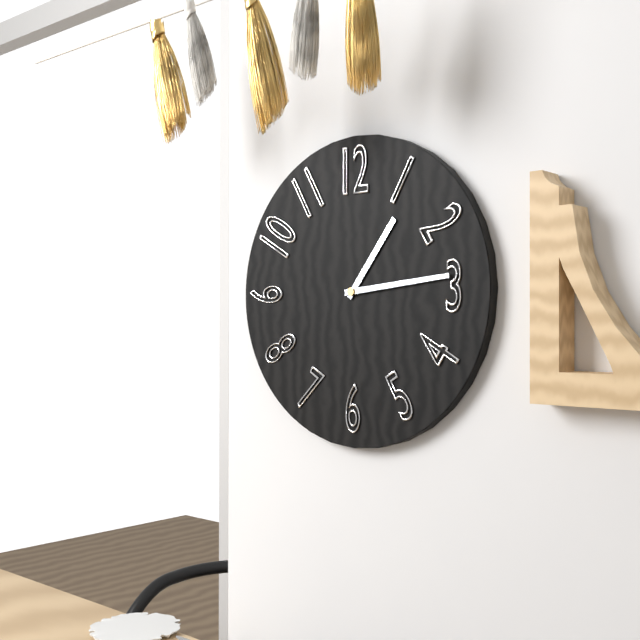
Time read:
1.14
